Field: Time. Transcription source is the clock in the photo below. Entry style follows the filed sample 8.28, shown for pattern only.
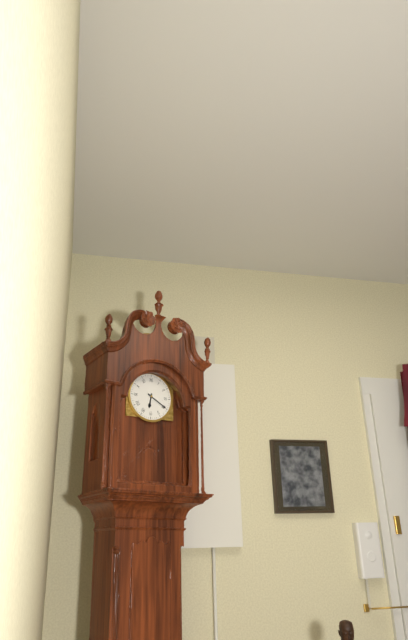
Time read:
6.20
